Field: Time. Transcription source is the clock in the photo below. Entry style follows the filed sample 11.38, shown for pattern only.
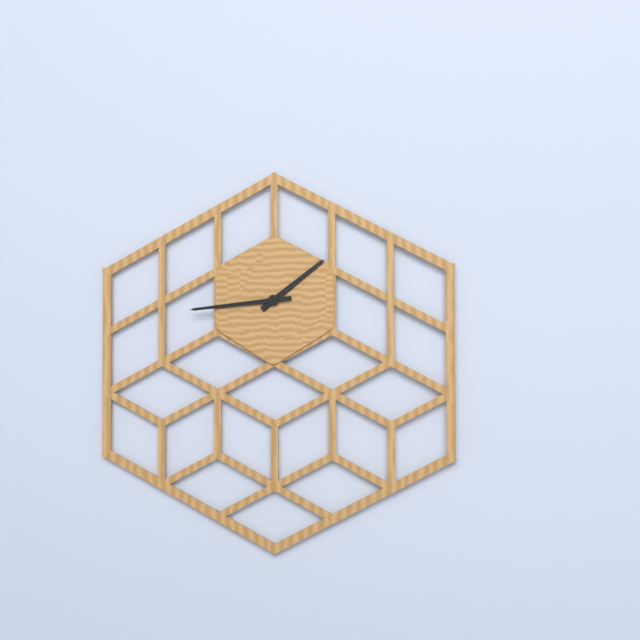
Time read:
1.44
